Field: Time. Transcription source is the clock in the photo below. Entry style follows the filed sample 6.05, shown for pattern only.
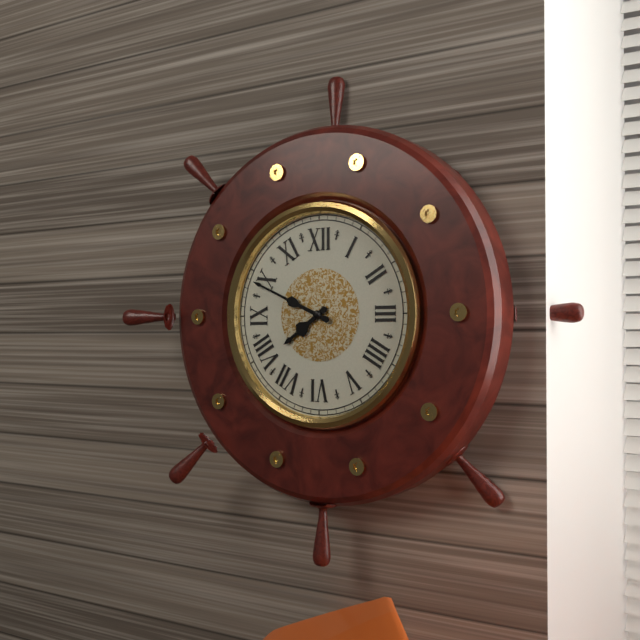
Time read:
7.49
